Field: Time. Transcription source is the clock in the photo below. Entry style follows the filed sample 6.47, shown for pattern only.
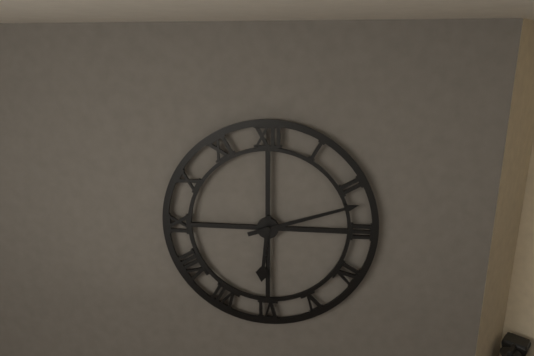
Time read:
6.12
